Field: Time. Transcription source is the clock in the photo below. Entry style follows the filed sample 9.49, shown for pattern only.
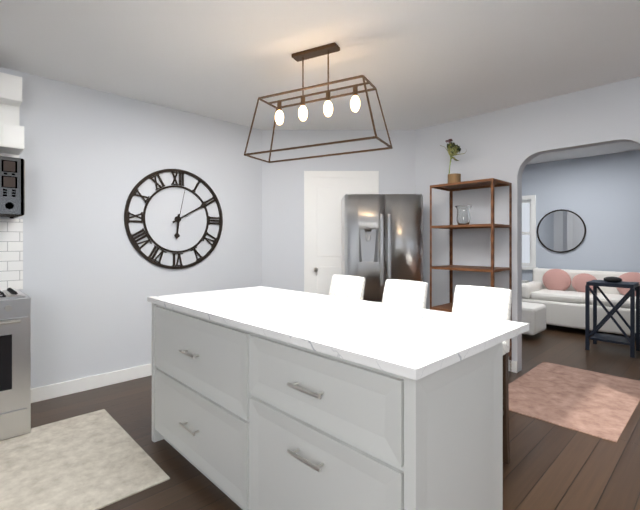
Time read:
6.10
